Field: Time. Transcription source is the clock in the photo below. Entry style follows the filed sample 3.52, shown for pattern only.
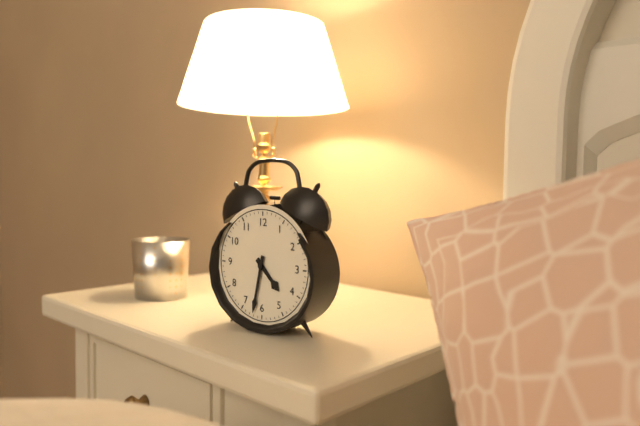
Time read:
4.32
